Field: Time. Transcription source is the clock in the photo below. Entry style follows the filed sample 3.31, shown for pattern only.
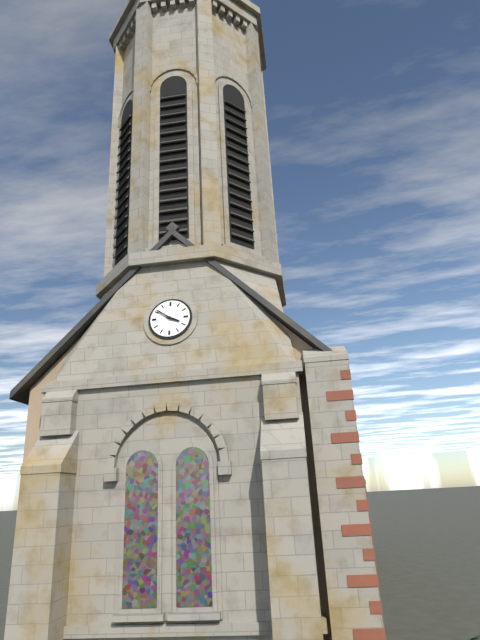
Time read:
3.51
